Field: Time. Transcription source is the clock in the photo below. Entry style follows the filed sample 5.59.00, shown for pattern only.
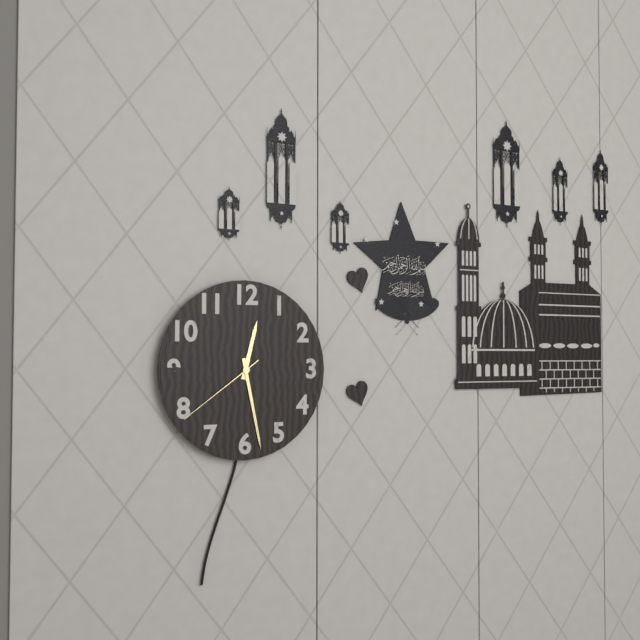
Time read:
12.28.39
